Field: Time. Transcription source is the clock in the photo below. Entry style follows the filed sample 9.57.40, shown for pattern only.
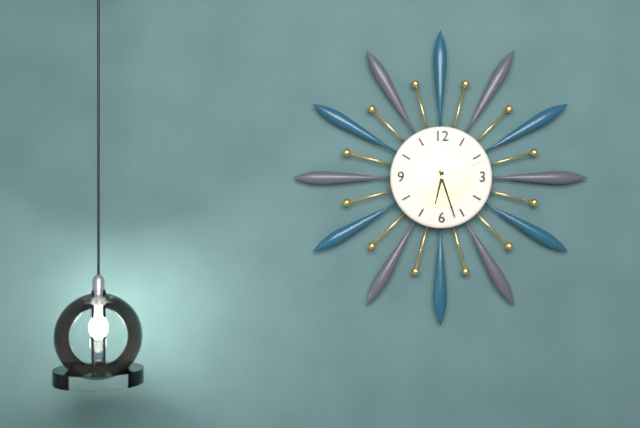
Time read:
6.27.11
